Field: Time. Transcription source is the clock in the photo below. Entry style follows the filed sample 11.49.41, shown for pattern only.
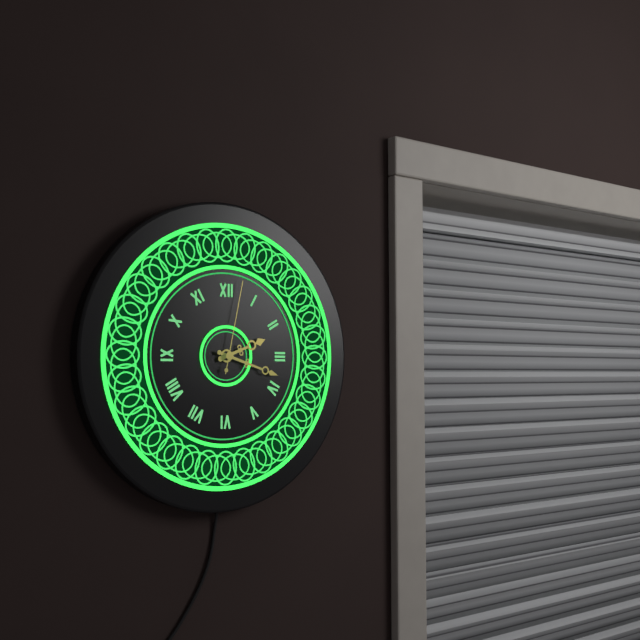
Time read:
2.18.02
